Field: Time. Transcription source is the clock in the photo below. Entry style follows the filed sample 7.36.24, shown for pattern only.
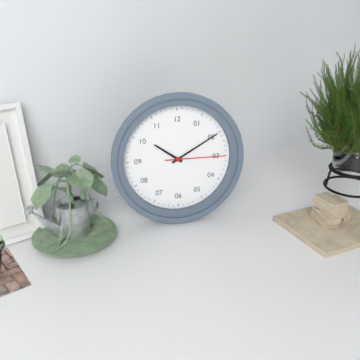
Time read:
10.10.15
